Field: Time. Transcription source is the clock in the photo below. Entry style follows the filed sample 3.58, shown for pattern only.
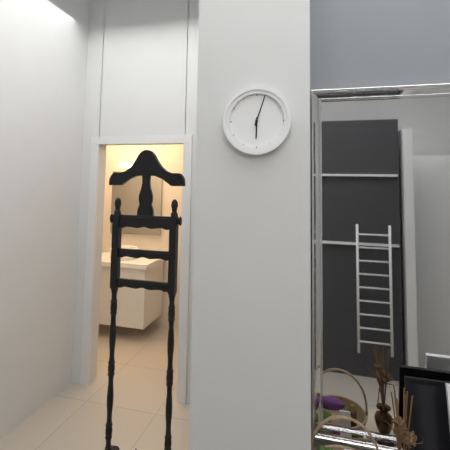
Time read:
6.03
